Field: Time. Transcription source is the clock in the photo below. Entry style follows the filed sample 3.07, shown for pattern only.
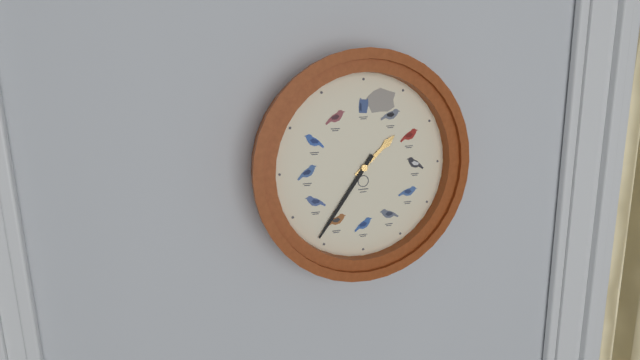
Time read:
1.36
